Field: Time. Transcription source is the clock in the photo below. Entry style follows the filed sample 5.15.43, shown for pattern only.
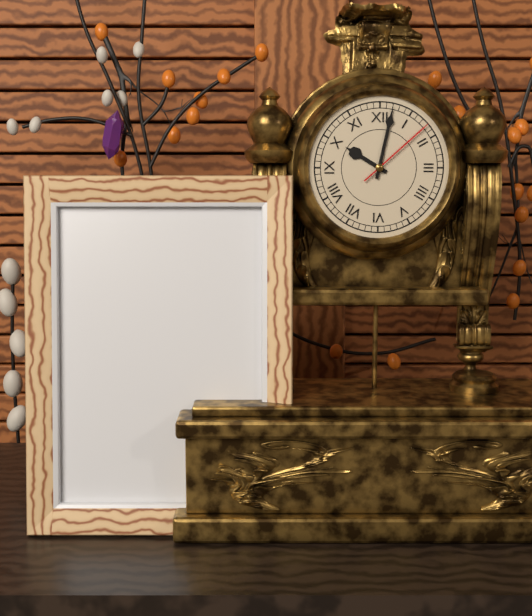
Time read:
10.02.08
